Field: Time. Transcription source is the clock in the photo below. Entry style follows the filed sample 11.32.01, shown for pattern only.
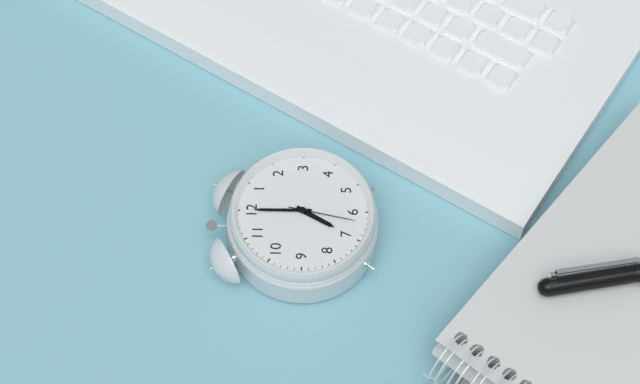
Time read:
7.00.32
